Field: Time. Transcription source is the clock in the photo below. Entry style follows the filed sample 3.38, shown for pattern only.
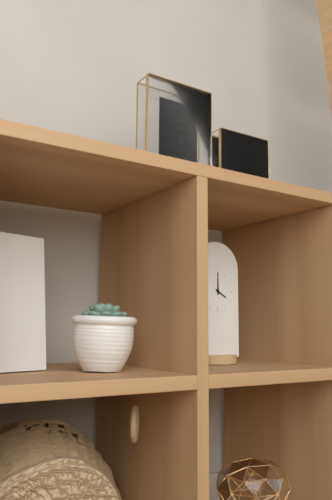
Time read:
4.00
